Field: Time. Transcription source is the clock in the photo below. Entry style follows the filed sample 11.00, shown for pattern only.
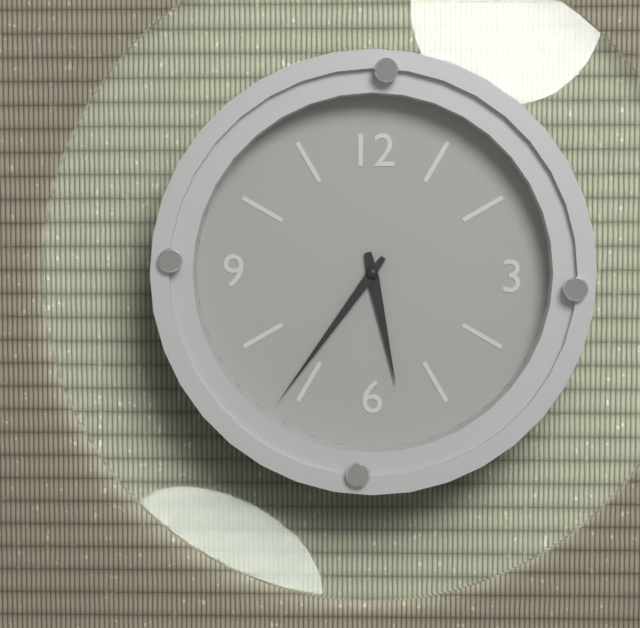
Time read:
5.36
